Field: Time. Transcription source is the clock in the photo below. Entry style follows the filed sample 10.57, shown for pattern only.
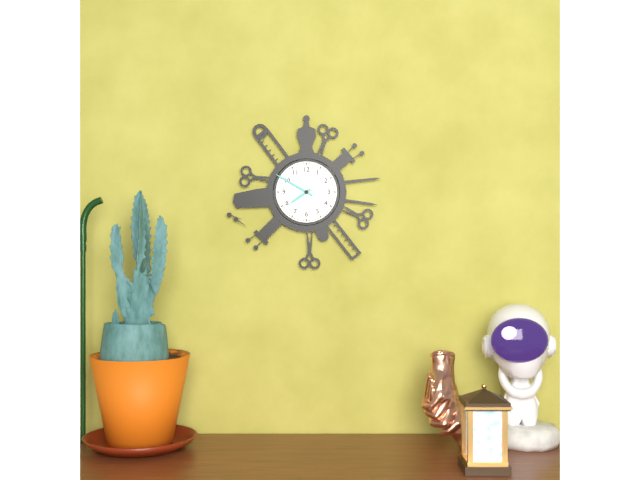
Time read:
7.50
